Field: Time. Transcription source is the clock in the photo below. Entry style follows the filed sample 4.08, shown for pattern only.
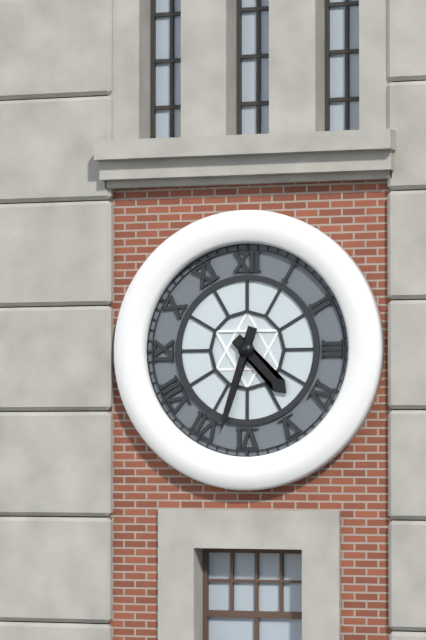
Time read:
4.33
